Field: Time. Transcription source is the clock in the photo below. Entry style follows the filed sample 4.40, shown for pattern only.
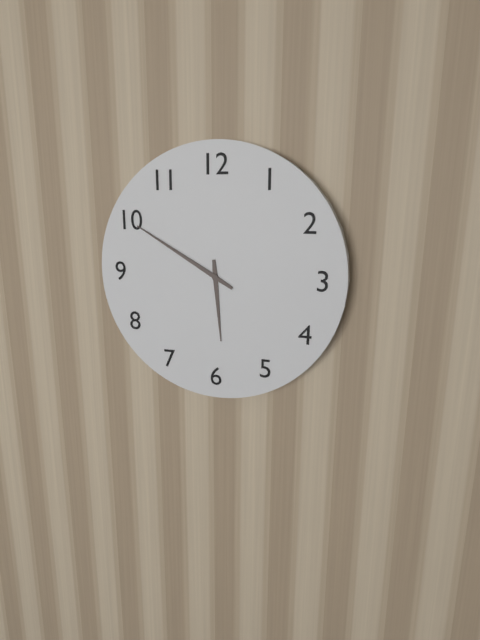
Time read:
5.50
